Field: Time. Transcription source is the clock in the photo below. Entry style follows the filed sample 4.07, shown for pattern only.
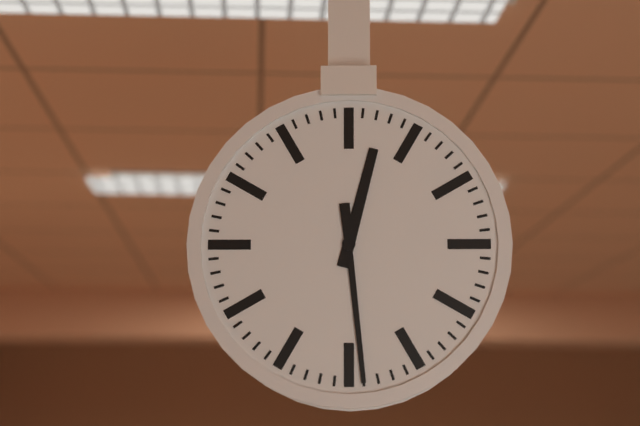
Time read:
12.29
